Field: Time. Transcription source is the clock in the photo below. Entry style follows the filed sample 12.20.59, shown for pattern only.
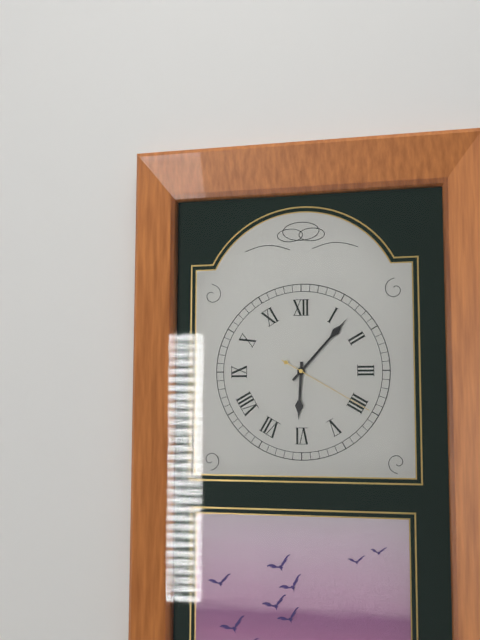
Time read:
6.07.20
